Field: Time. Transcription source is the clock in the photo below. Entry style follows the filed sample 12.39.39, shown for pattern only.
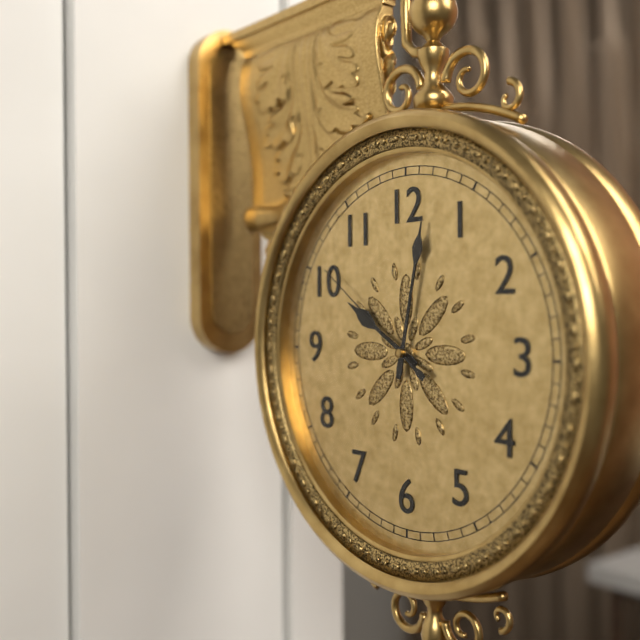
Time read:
10.02.51
